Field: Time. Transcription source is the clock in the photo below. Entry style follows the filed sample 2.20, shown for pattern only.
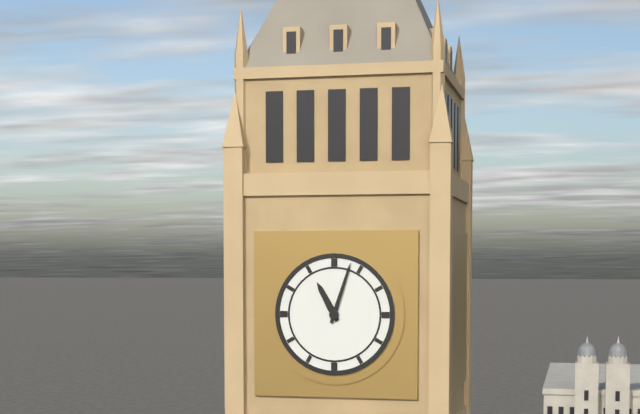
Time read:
11.03
